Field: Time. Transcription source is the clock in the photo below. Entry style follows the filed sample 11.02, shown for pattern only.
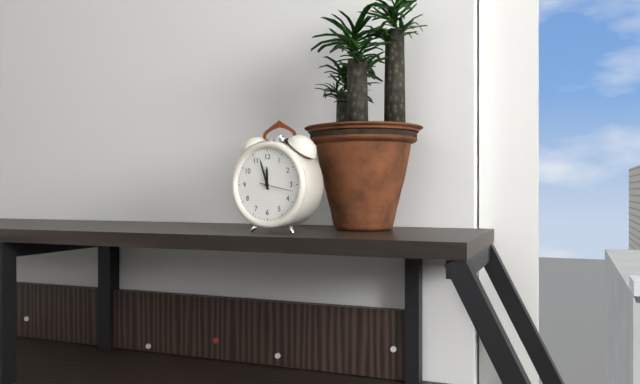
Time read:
11.57
